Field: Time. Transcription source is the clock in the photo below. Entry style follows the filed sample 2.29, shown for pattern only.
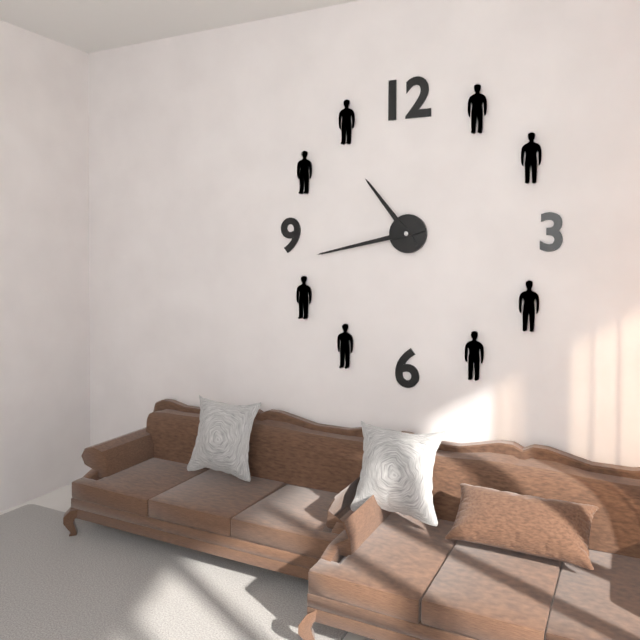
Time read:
10.43
